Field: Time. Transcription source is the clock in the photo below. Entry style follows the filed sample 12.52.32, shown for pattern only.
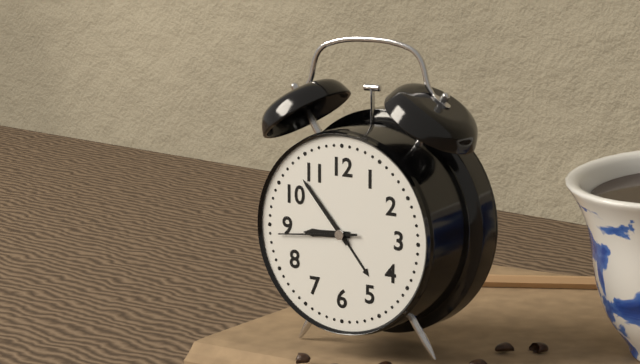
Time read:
8.53.44
